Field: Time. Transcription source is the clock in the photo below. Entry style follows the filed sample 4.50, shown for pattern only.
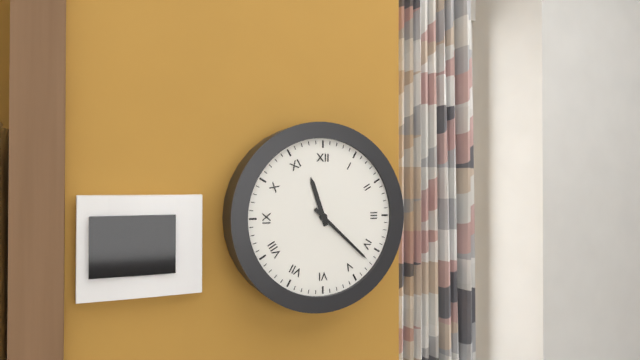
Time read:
11.22
